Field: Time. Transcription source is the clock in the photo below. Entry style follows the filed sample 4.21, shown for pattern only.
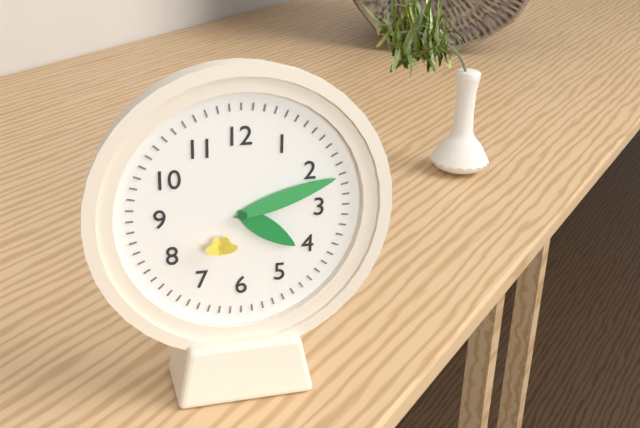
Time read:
4.12
